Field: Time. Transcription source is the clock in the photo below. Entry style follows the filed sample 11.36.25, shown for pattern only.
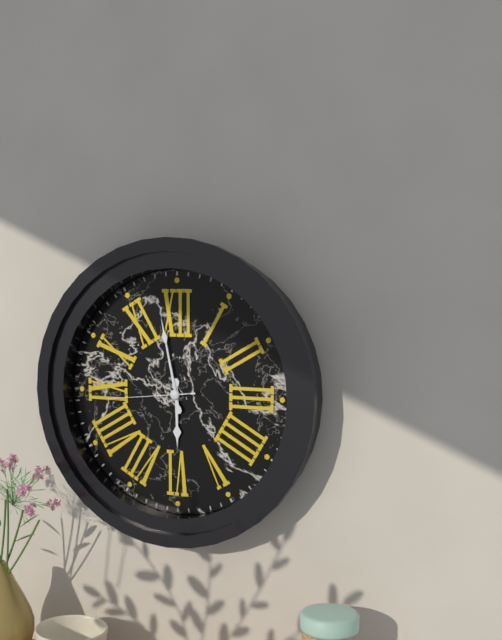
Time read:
5.58.44
